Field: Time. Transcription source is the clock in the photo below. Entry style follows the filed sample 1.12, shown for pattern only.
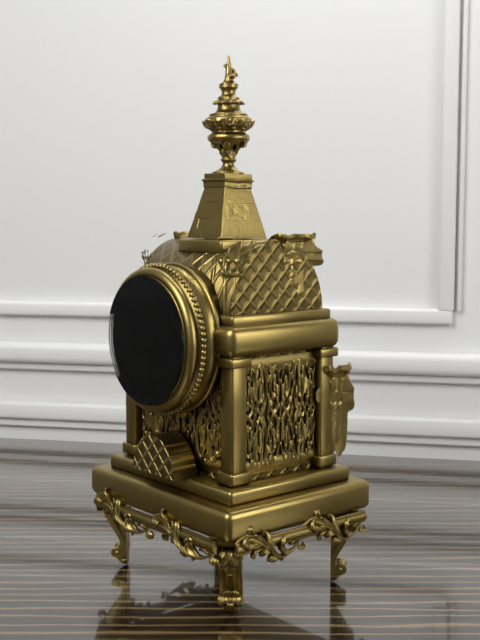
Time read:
9.28
